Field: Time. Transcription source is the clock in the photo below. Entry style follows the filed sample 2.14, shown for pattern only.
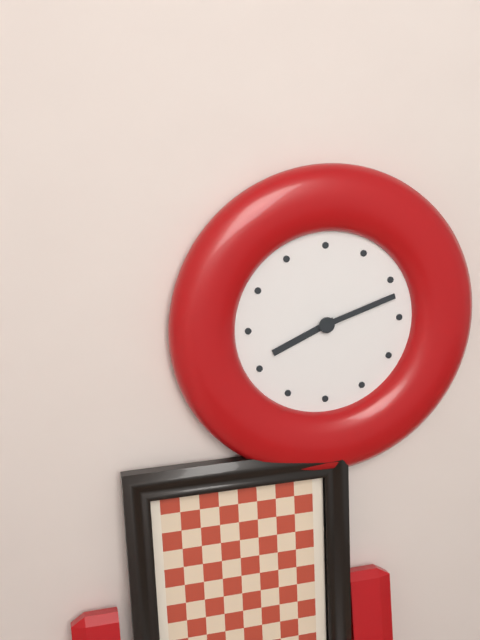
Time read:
8.12
